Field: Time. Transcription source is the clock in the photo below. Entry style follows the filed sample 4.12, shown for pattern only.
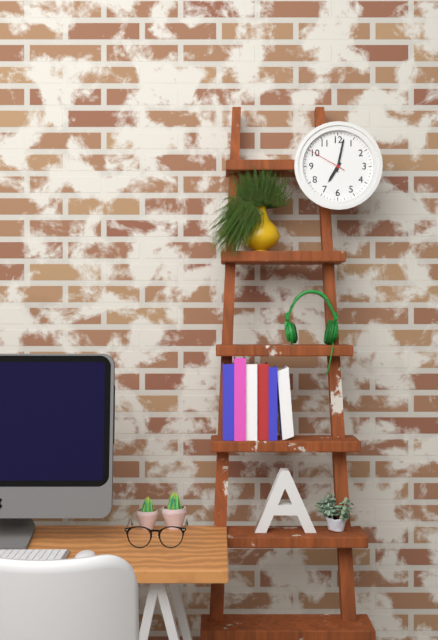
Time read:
7.02
